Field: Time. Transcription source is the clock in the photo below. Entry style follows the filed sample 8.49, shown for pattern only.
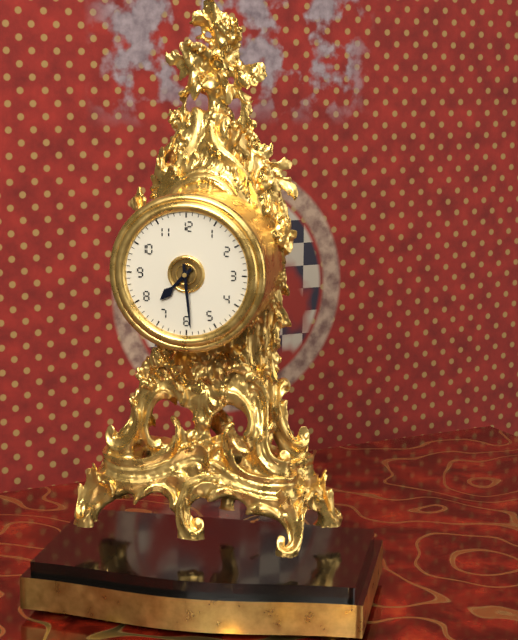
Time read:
7.29
